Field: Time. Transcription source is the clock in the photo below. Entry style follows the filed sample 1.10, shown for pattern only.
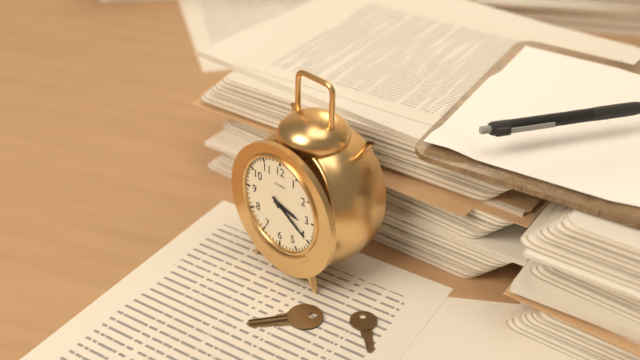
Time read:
3.20
